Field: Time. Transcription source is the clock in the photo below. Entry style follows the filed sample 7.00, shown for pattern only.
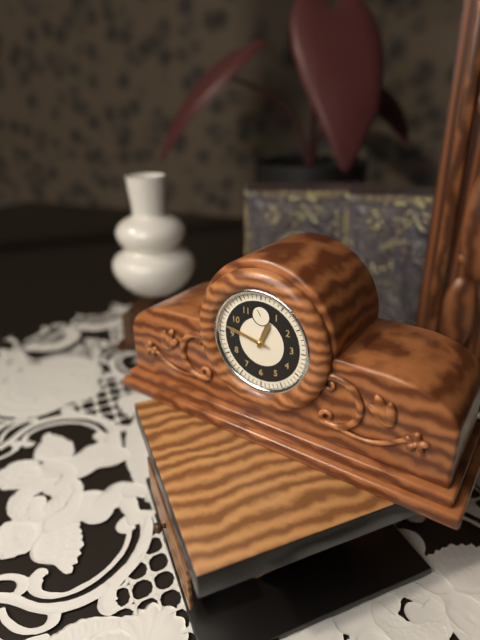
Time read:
12.47
